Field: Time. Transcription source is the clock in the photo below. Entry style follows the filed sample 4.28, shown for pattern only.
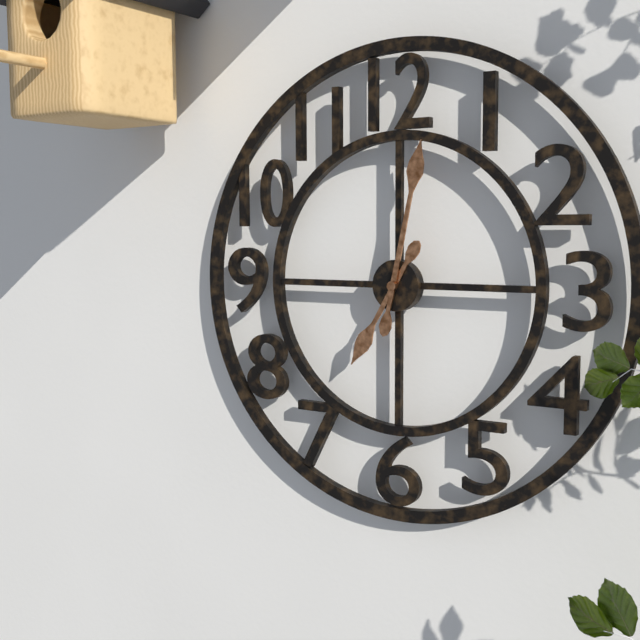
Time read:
7.02
